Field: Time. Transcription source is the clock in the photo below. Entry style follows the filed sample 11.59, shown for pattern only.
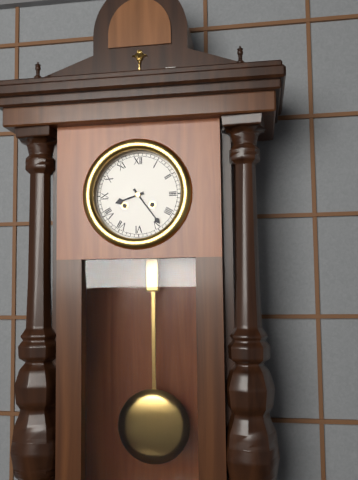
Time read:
8.24
